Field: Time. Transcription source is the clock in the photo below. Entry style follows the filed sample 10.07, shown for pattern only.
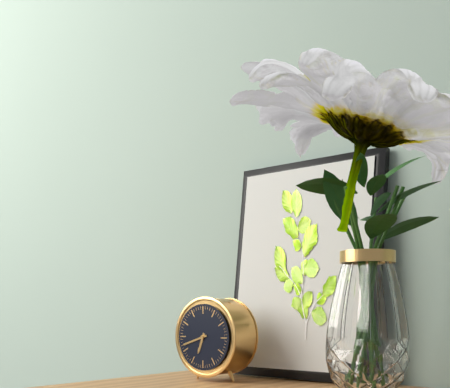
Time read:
6.42
